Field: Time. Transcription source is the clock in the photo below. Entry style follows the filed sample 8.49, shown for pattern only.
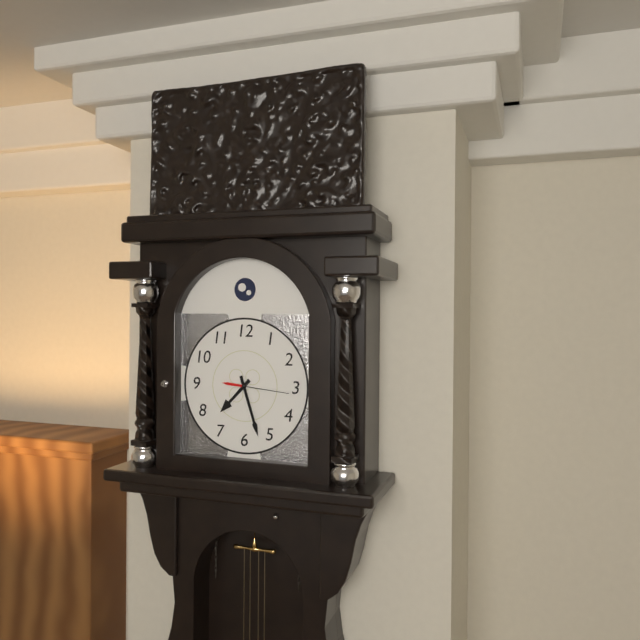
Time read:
7.27
